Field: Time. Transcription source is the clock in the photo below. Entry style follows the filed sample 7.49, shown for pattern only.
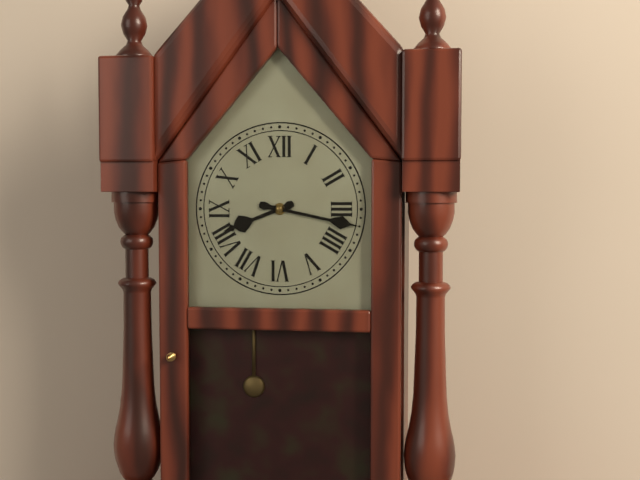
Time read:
8.17
